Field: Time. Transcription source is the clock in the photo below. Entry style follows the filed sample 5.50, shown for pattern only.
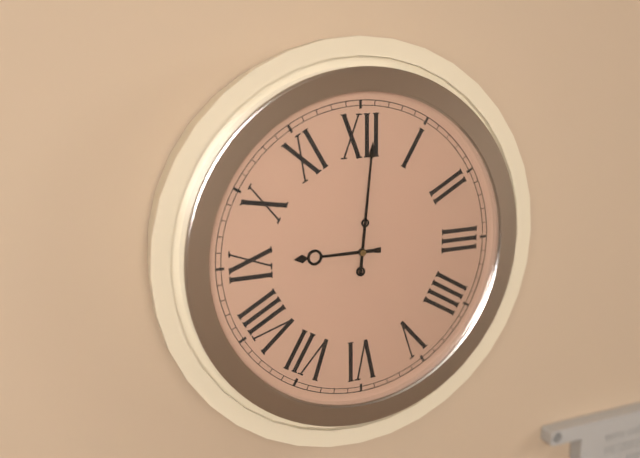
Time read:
9.01
